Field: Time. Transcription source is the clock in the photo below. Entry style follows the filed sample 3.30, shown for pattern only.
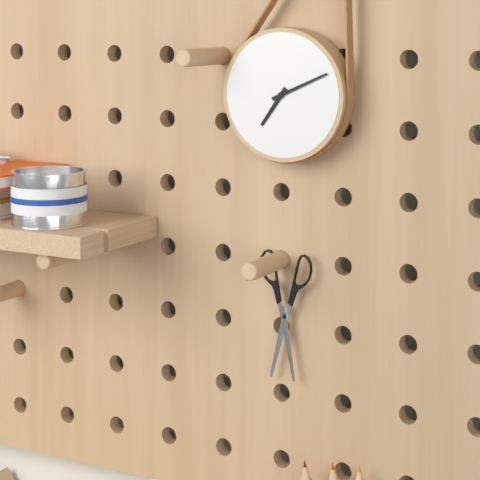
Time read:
7.11
